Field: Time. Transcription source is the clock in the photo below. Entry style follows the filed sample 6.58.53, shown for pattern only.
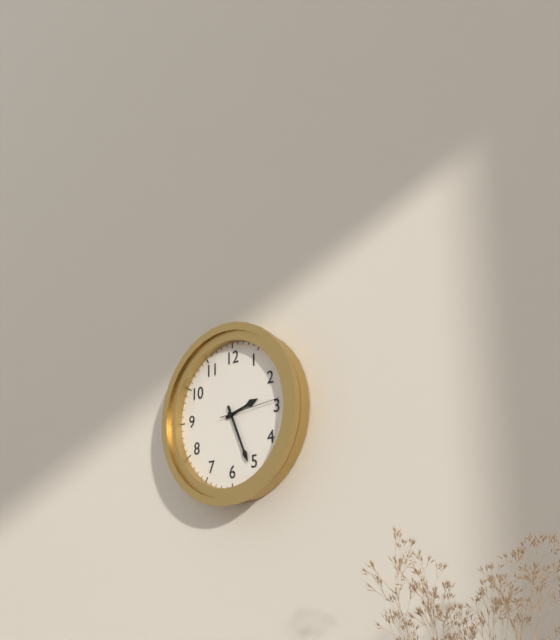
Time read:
2.26.14
